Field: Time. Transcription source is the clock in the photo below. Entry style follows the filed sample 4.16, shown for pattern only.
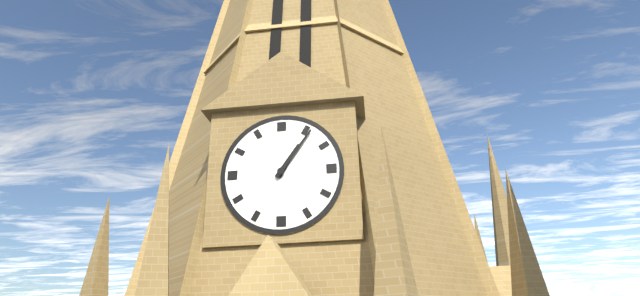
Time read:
1.06
